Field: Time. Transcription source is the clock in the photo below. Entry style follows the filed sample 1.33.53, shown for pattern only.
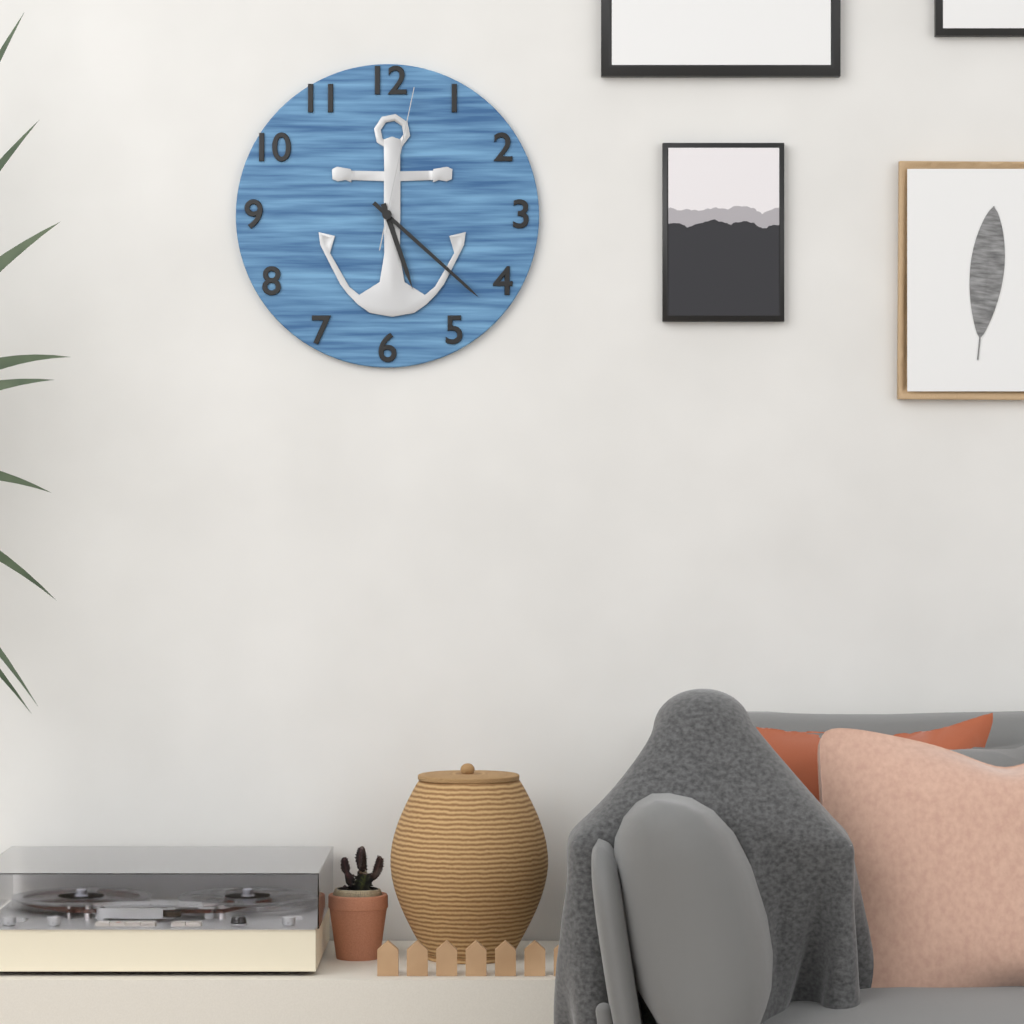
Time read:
5.22.02
